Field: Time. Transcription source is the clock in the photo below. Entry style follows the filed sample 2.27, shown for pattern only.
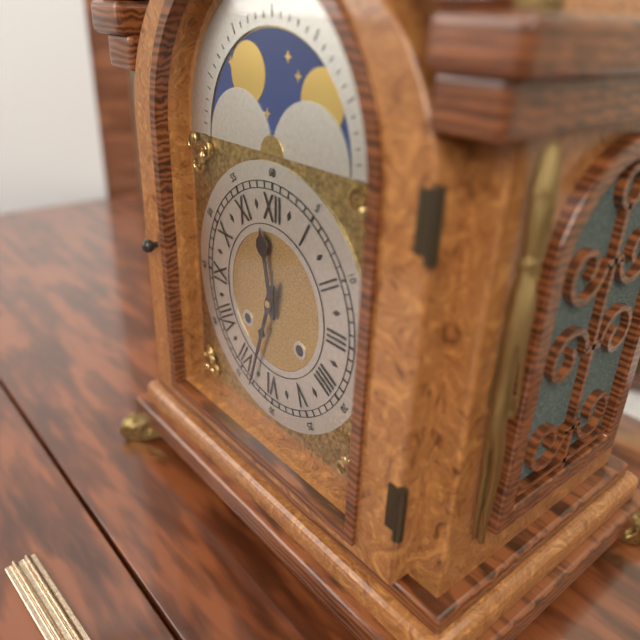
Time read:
11.33
